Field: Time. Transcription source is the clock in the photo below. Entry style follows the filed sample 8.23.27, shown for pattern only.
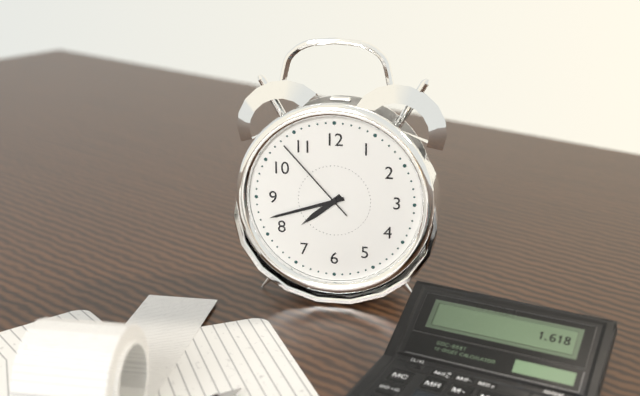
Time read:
7.42.53
